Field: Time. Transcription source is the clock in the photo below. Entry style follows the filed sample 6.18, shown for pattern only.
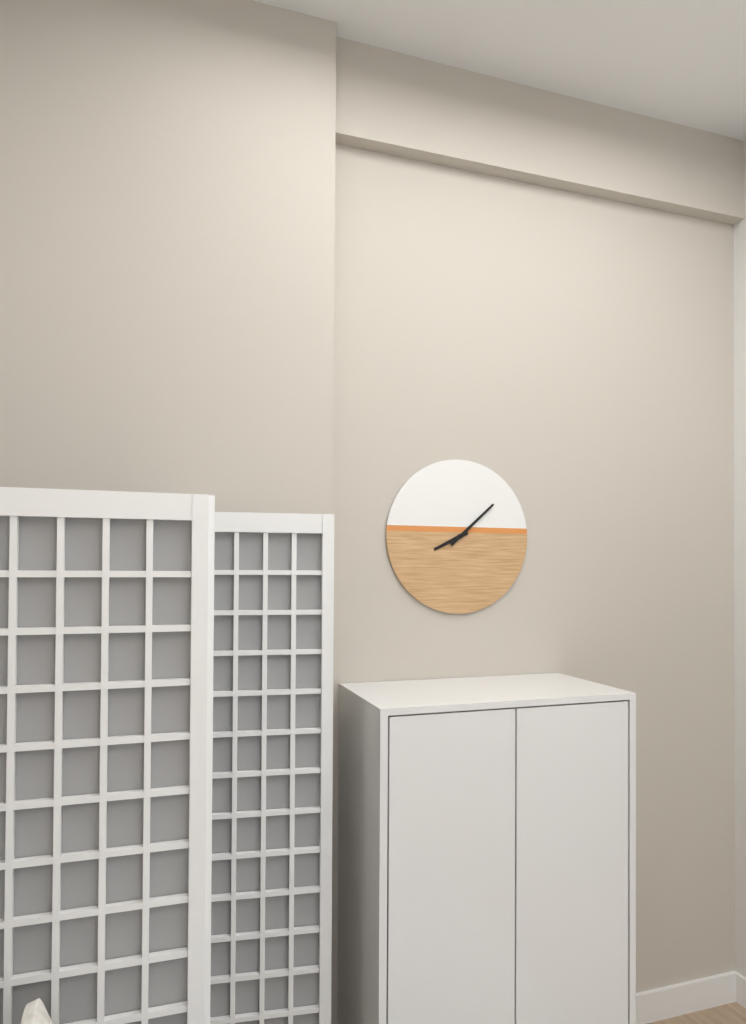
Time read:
8.08
